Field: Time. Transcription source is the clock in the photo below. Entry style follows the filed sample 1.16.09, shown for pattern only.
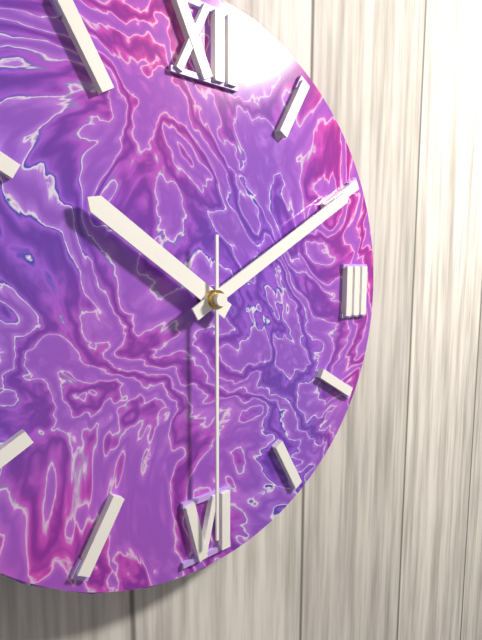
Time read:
10.10.30
